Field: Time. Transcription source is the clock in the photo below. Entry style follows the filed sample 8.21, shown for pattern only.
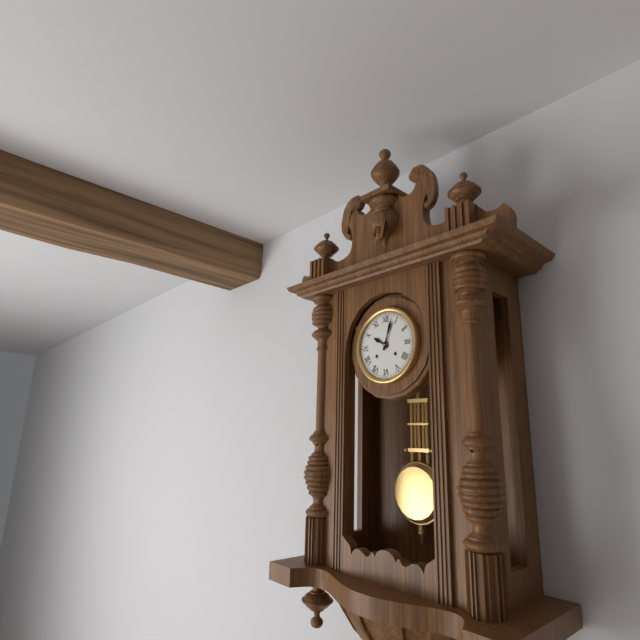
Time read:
10.03
